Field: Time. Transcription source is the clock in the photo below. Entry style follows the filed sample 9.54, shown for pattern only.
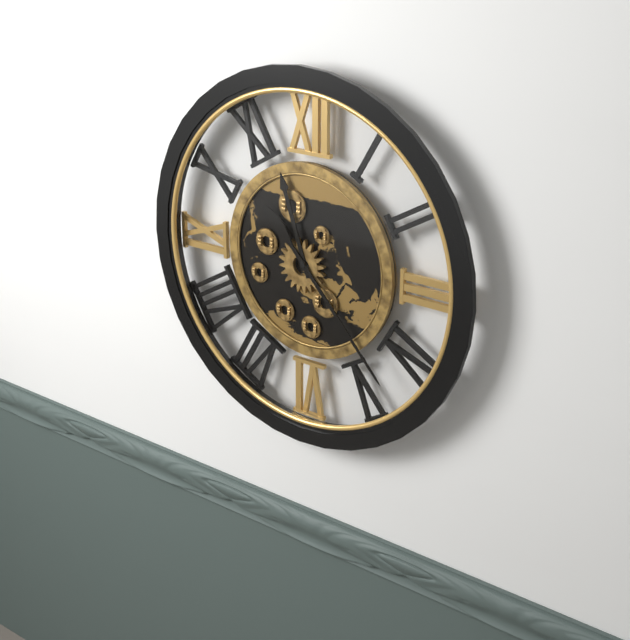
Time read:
11.23
